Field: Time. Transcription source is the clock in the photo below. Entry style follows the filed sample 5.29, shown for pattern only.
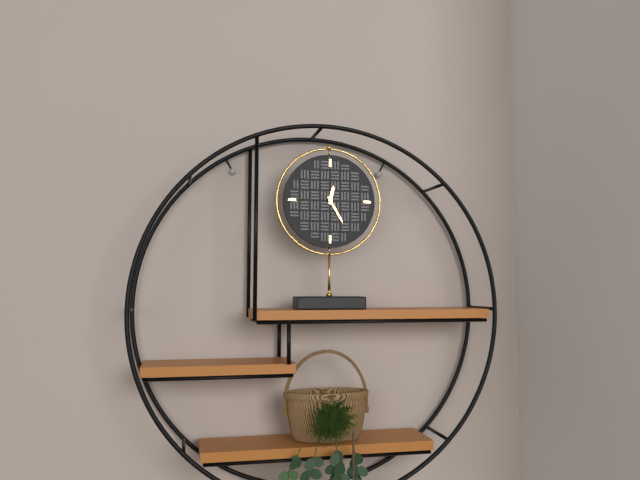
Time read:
12.25
